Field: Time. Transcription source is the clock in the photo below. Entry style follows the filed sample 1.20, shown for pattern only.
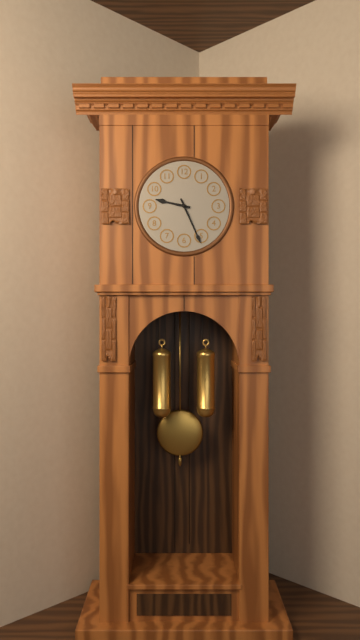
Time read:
9.26
